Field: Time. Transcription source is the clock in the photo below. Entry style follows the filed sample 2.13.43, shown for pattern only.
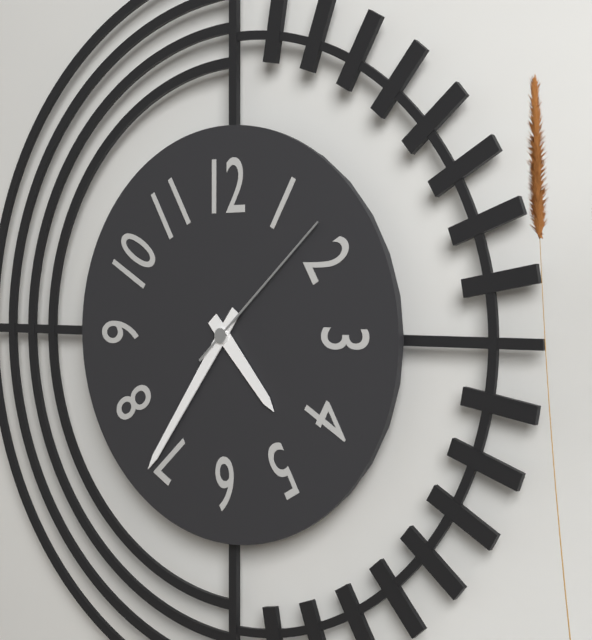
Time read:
4.36.08
